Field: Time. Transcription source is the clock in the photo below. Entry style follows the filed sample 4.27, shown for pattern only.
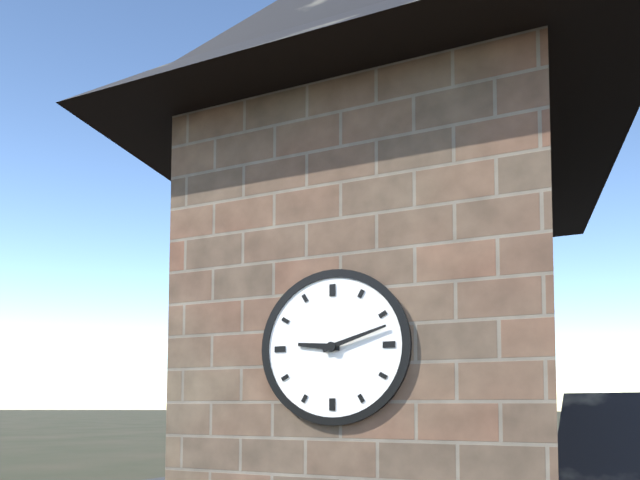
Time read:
9.12
